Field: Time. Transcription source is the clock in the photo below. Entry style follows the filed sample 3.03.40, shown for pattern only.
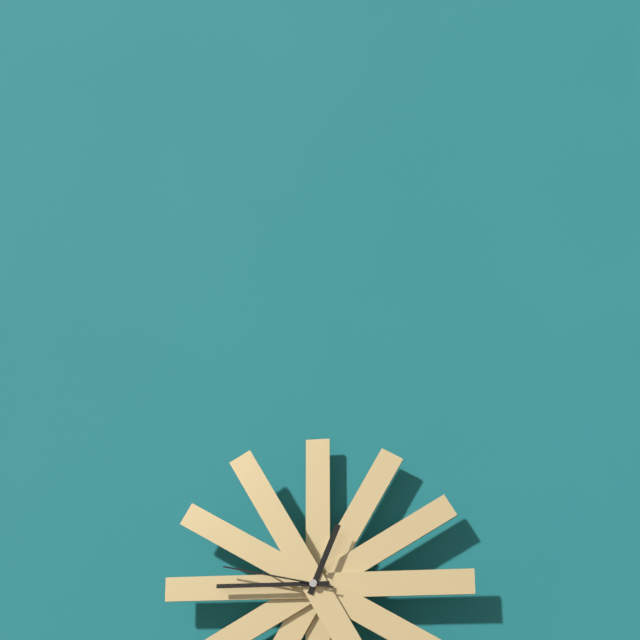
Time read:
12.45.47
